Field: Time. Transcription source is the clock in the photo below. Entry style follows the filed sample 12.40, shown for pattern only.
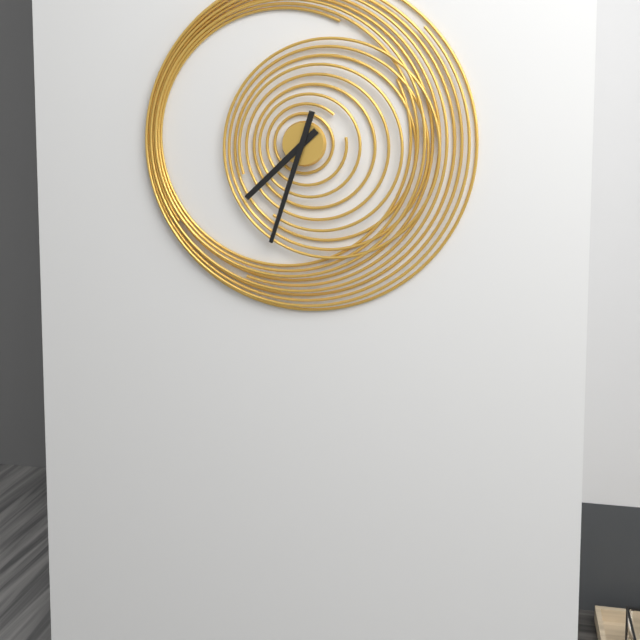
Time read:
7.33
